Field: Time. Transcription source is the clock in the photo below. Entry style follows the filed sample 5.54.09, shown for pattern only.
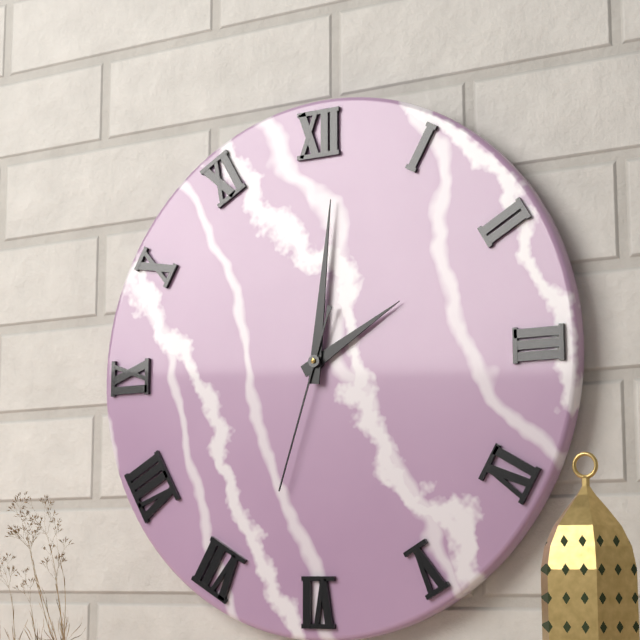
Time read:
2.01.33
